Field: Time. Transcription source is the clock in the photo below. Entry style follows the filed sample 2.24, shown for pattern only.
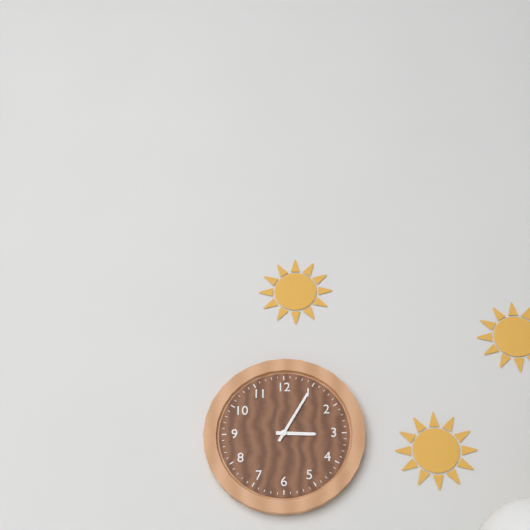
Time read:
3.05
